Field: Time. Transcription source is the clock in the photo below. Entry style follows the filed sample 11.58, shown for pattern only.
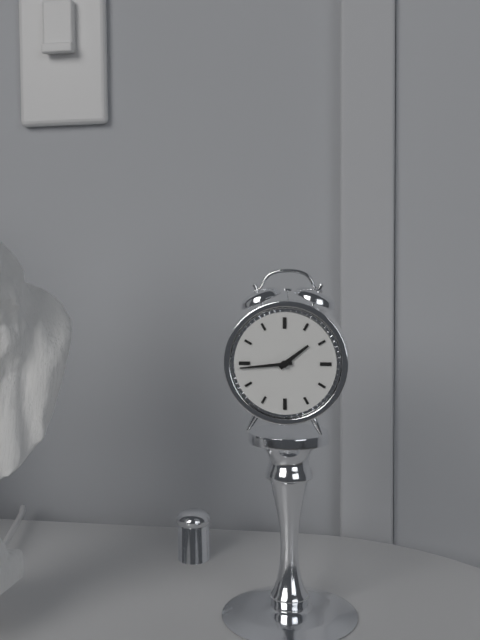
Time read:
1.44
